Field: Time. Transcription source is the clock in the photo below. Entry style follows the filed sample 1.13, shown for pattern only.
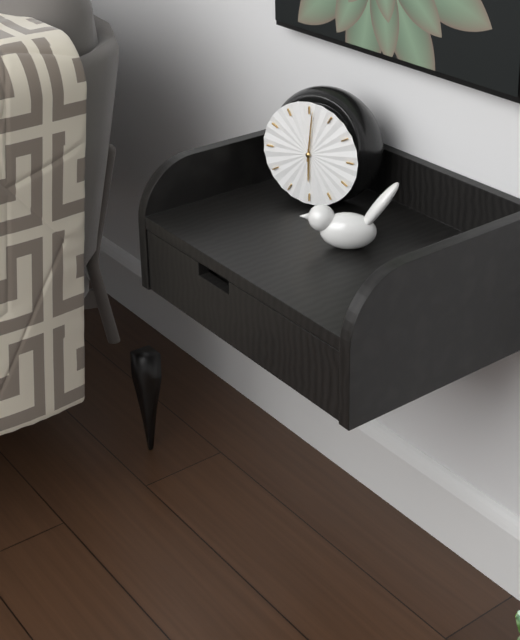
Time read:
6.01
